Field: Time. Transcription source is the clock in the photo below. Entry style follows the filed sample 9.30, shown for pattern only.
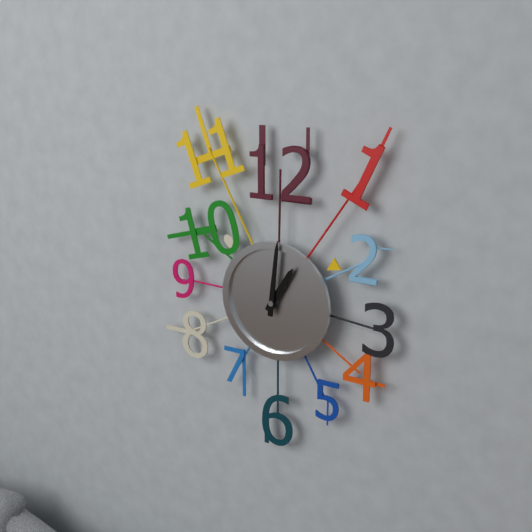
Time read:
1.01
